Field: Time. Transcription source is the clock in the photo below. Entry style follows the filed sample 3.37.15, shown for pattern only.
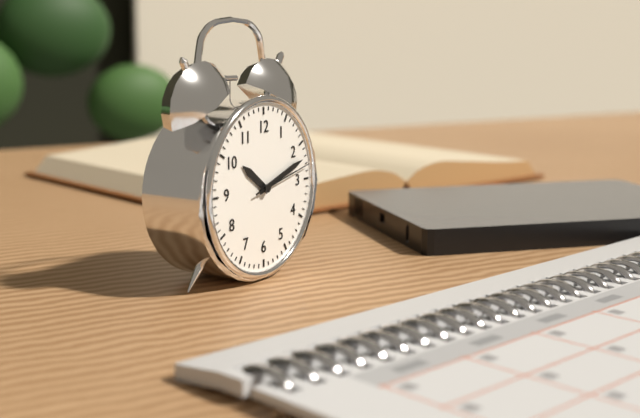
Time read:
10.12.13
